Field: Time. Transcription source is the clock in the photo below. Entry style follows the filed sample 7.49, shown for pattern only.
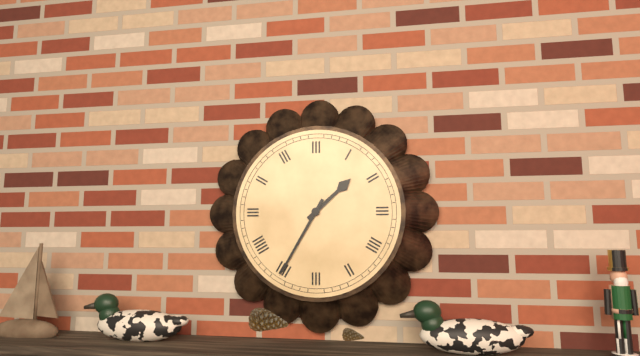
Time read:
1.35
